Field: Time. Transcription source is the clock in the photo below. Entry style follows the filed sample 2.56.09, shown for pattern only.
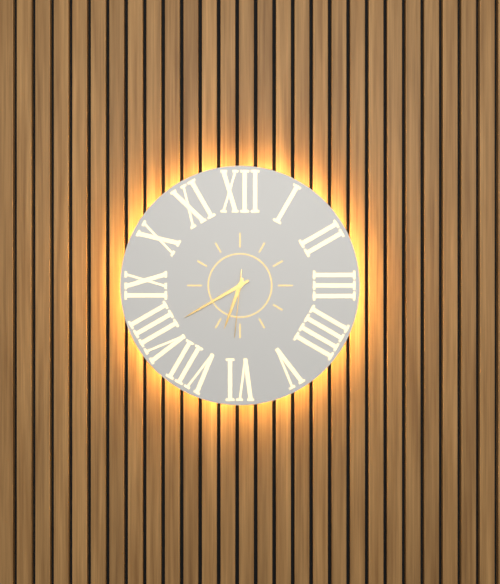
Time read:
6.40.31
